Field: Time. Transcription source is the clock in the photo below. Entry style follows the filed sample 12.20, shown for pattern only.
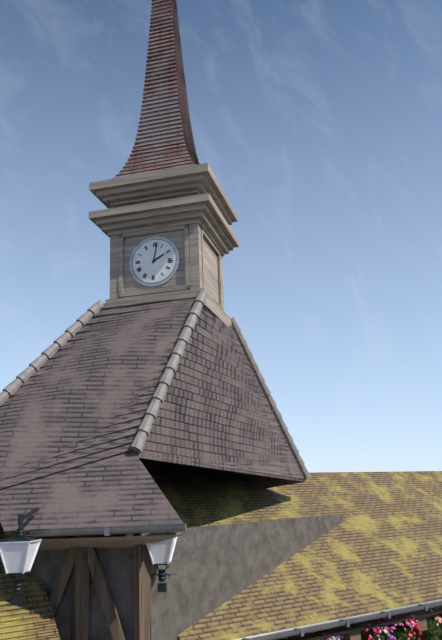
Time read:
2.02
